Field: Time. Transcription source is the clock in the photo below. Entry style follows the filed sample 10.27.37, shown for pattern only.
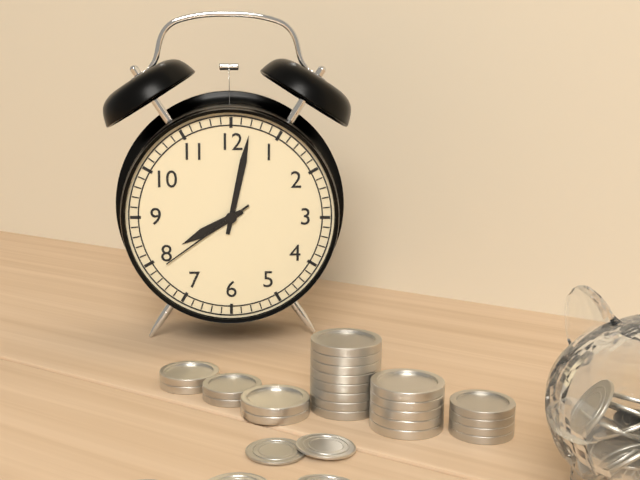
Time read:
8.02.39
